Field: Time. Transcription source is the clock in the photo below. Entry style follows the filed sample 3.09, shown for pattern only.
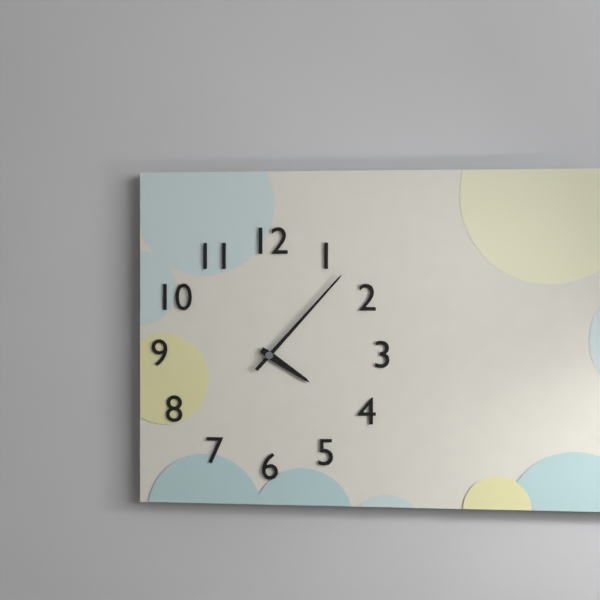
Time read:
4.07
